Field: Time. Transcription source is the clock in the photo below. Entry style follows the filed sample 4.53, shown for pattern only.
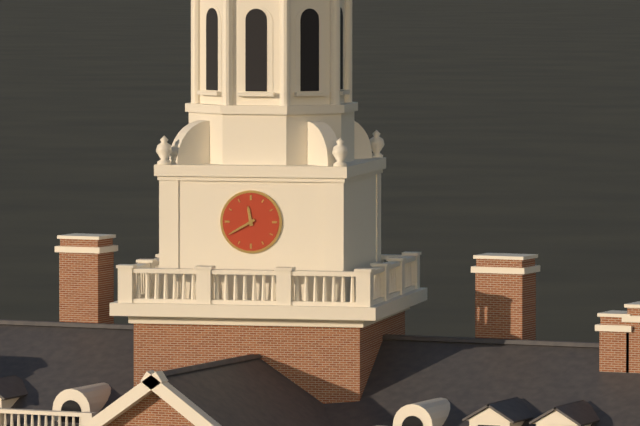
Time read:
11.40
